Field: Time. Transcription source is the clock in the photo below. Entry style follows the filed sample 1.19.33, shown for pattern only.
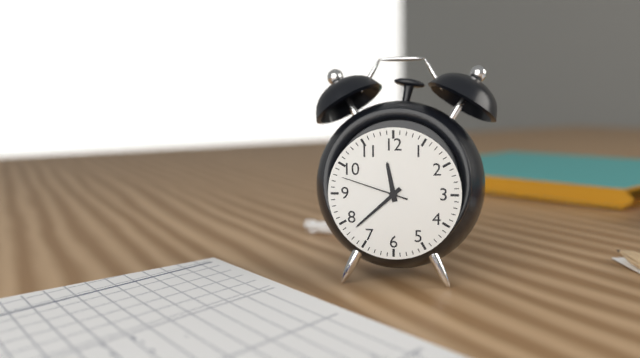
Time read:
11.38.48
